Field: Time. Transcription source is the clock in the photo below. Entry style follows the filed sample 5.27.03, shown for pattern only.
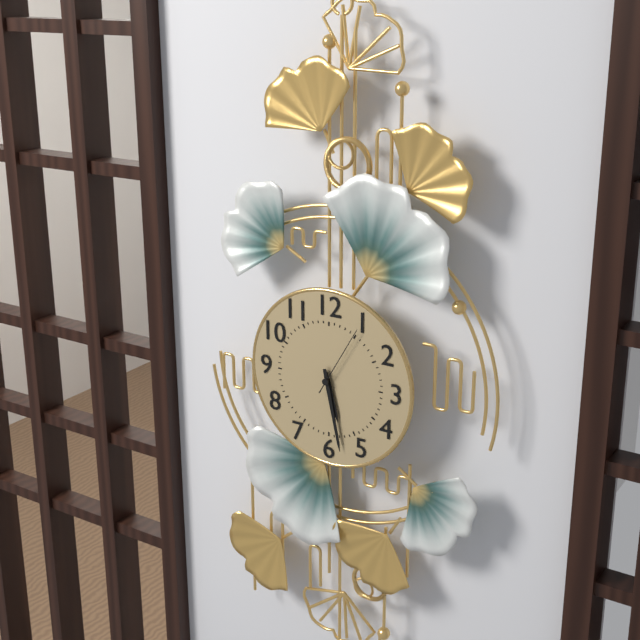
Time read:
5.28.05
